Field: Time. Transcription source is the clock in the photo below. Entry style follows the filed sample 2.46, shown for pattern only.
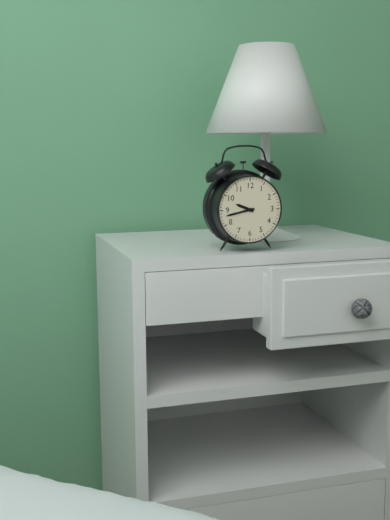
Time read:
9.43
